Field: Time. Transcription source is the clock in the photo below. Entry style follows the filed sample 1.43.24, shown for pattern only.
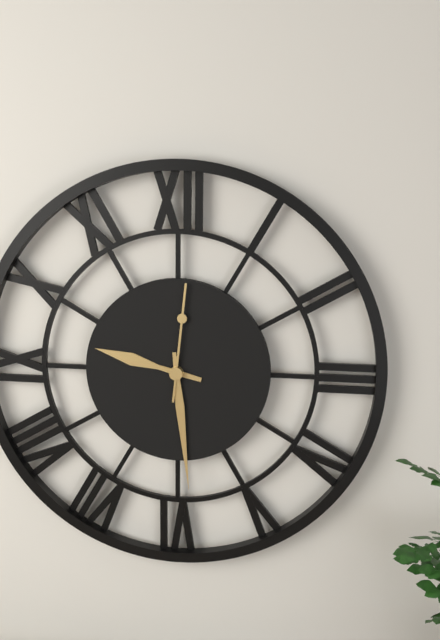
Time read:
9.29.01
